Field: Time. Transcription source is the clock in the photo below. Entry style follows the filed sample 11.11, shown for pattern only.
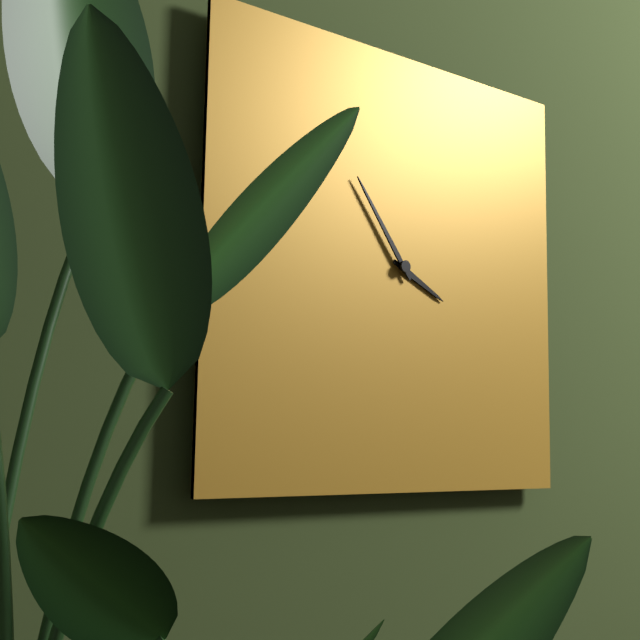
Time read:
3.54
